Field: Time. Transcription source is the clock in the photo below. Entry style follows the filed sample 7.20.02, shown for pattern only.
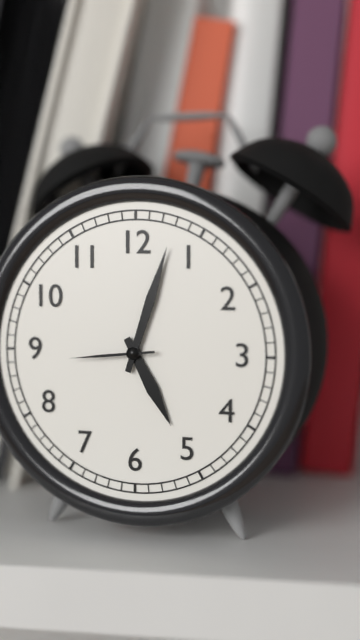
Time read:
5.03.44
